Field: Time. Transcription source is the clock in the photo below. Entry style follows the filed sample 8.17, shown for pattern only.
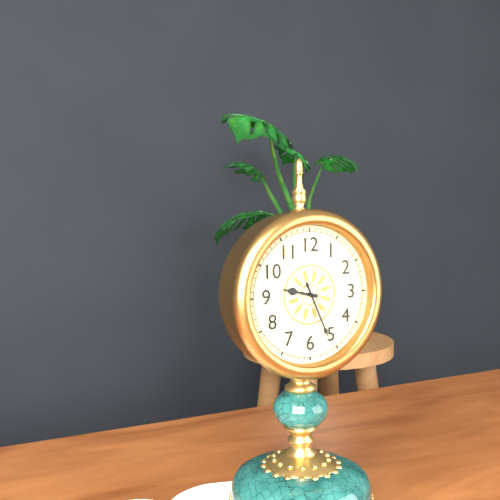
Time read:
9.26
